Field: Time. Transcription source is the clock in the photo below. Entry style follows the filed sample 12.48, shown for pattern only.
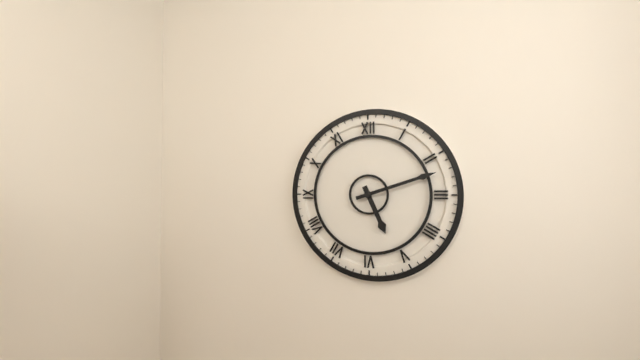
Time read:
5.12
